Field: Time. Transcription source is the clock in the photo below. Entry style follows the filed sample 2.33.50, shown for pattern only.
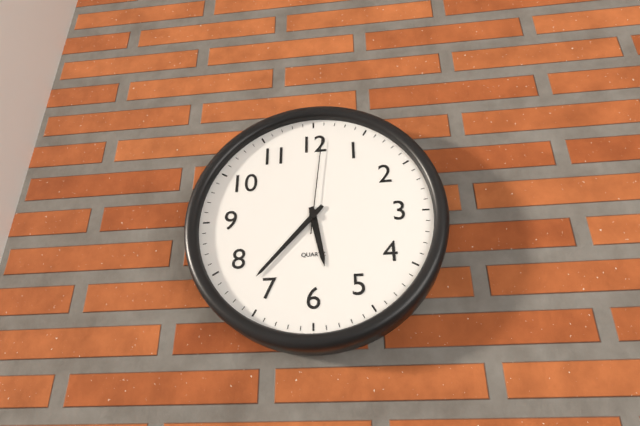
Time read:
5.37.01
